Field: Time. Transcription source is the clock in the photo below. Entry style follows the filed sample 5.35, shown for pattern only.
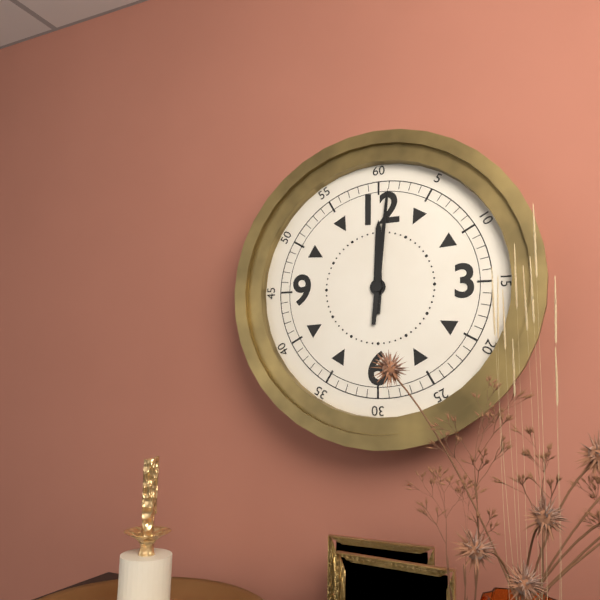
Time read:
12.01
